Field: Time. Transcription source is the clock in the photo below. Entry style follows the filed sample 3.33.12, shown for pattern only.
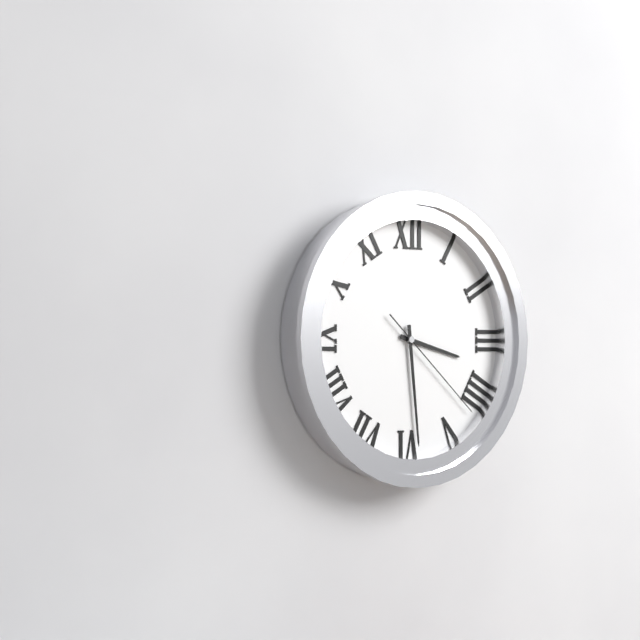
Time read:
3.29.22
